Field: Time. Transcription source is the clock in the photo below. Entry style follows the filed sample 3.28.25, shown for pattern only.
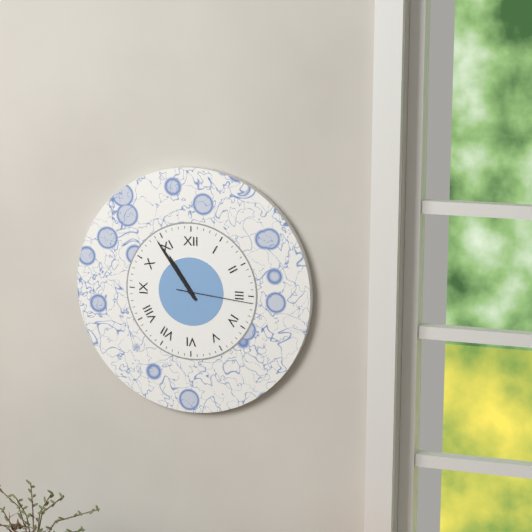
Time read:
10.54.16
